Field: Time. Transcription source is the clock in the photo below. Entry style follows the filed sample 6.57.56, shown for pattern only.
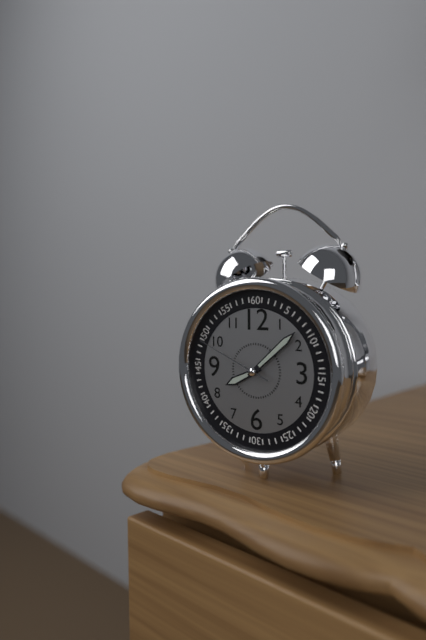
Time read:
8.08.49
